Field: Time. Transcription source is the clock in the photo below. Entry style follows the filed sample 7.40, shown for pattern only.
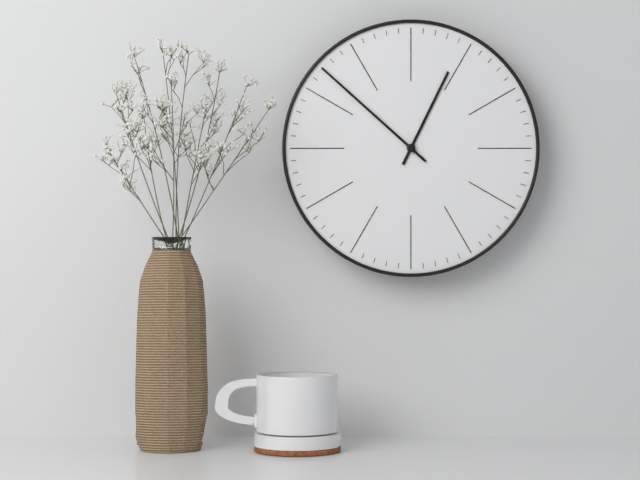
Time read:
12.52
